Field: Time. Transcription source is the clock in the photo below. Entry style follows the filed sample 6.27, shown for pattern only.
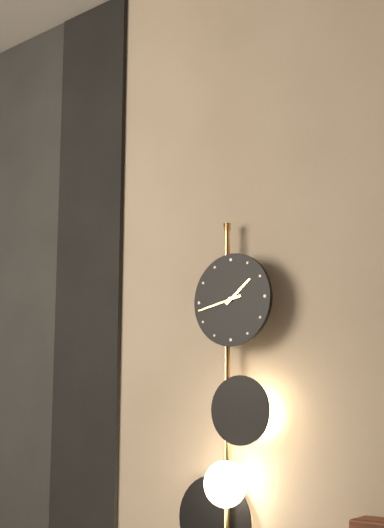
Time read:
1.43
